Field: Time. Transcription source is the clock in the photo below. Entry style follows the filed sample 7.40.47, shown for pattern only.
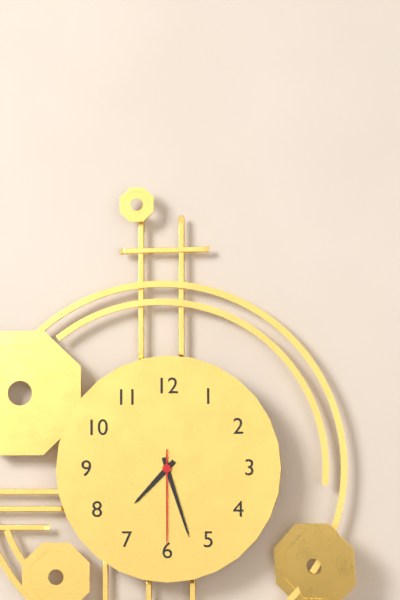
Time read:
7.27.30
